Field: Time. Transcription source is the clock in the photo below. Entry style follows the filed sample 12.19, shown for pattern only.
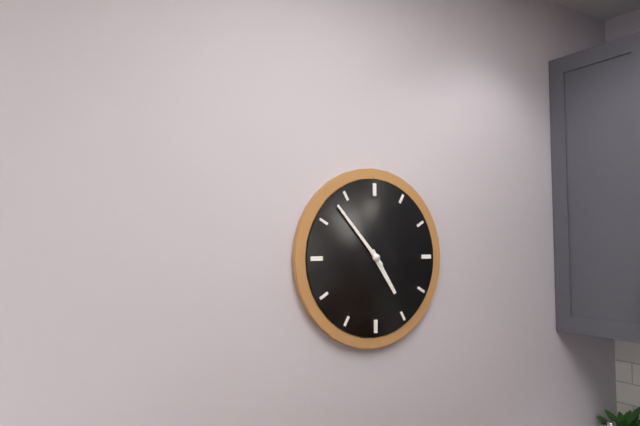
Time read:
4.53
